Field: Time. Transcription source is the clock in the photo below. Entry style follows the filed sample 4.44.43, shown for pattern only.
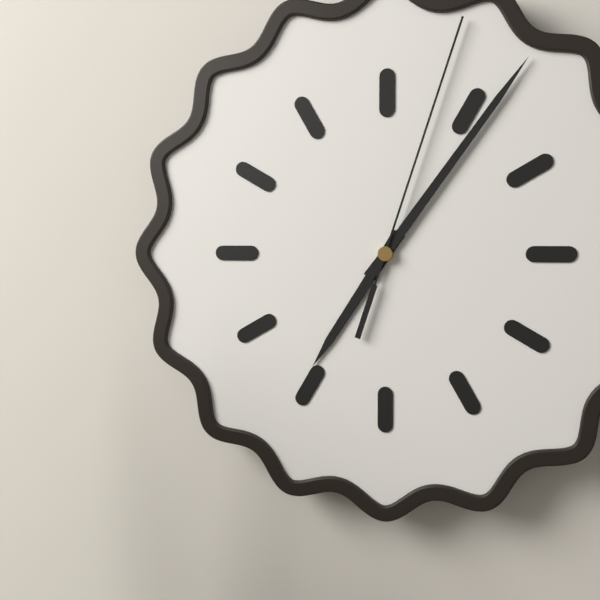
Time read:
7.06.03
